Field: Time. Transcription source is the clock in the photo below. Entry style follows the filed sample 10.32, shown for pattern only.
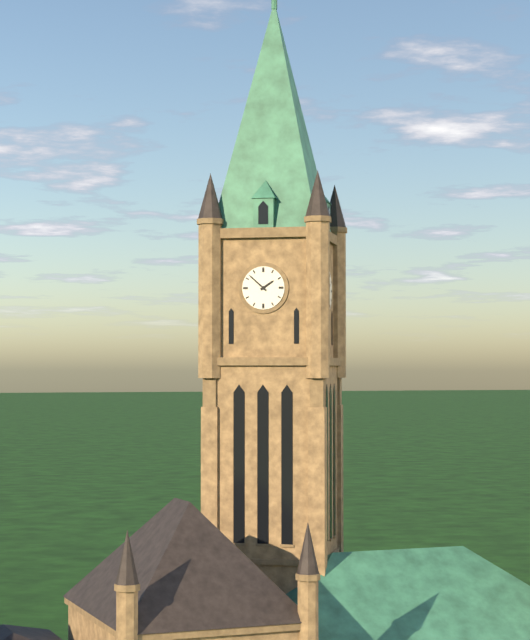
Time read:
1.52
